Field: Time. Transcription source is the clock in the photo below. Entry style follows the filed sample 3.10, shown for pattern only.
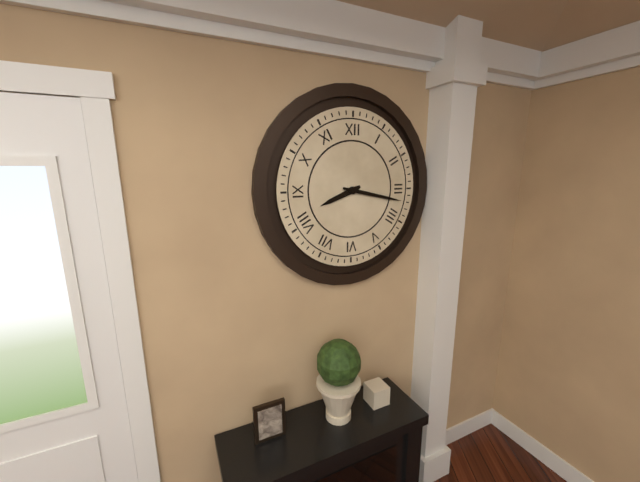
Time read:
8.17
